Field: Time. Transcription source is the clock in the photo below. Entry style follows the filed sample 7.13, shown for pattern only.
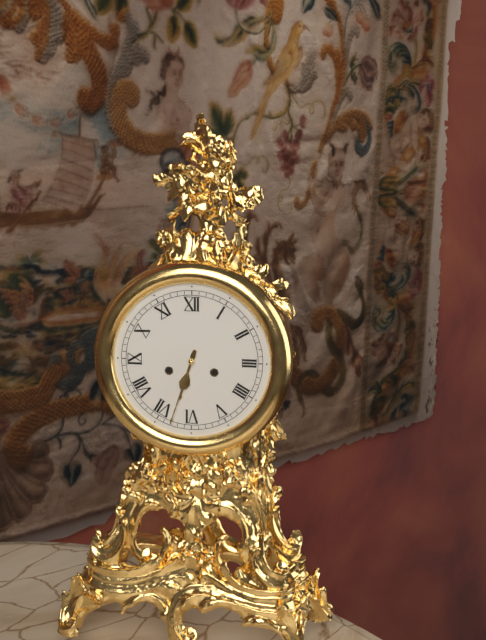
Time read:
6.33
